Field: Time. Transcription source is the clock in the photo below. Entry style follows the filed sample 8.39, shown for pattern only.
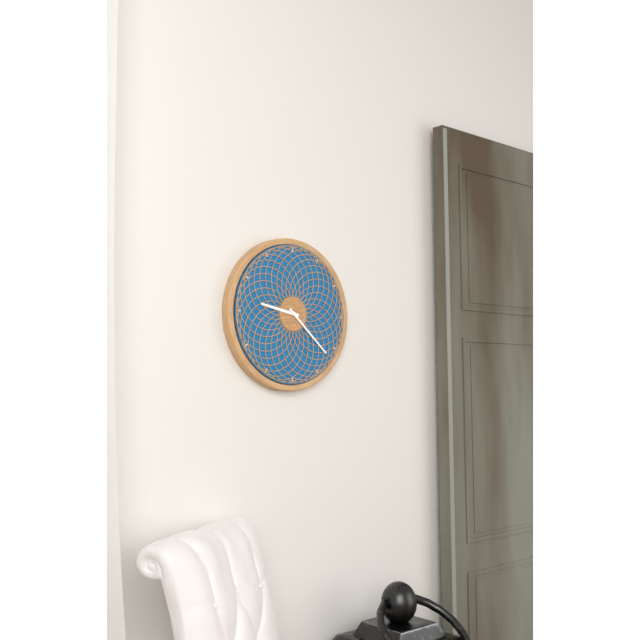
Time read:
9.22
